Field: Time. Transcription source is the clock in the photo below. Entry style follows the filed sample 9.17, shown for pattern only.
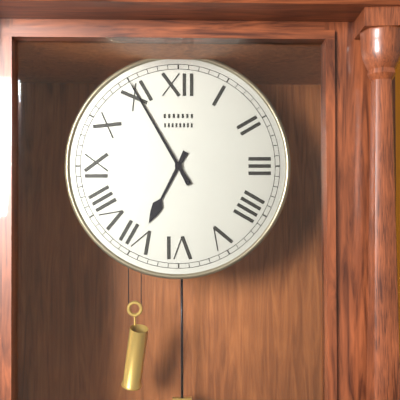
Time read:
6.55
